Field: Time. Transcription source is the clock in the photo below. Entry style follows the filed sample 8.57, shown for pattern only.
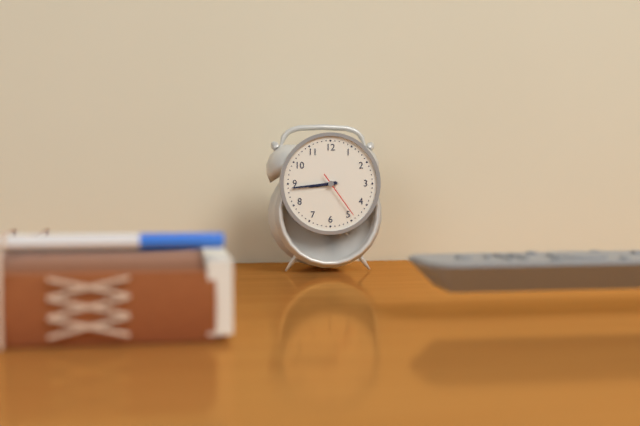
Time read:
8.44
